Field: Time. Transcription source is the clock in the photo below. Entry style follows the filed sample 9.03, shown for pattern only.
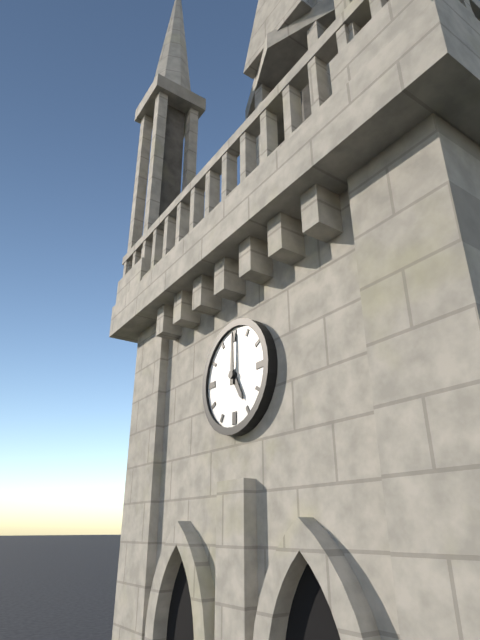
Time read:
5.00
